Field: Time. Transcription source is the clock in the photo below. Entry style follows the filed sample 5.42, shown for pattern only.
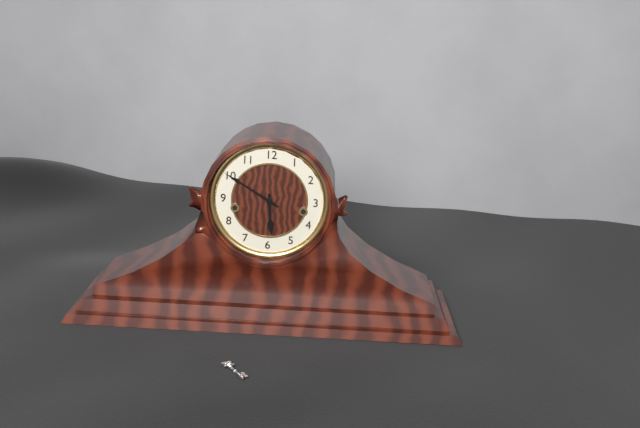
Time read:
5.50
